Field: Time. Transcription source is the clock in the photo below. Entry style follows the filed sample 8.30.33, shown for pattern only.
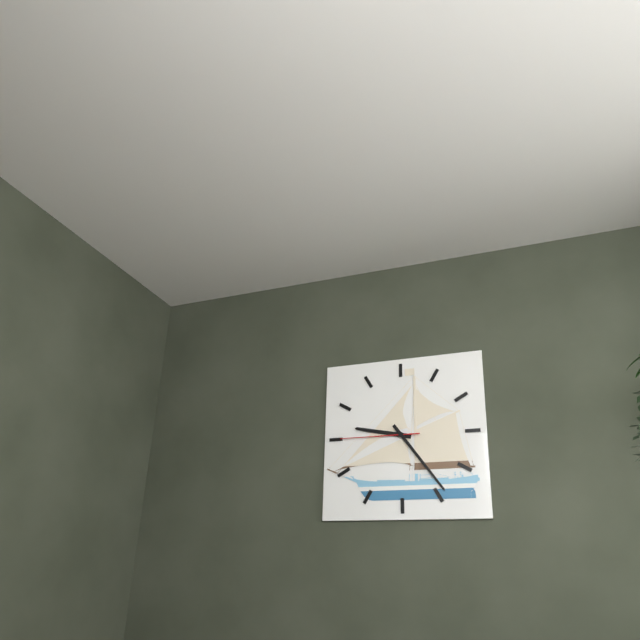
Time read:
9.24.45
